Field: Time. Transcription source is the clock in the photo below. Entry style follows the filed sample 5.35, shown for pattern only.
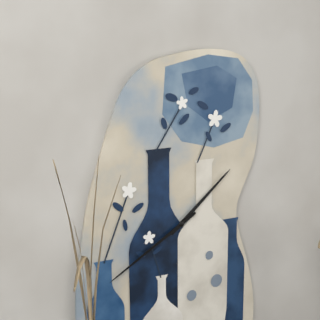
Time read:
1.40
